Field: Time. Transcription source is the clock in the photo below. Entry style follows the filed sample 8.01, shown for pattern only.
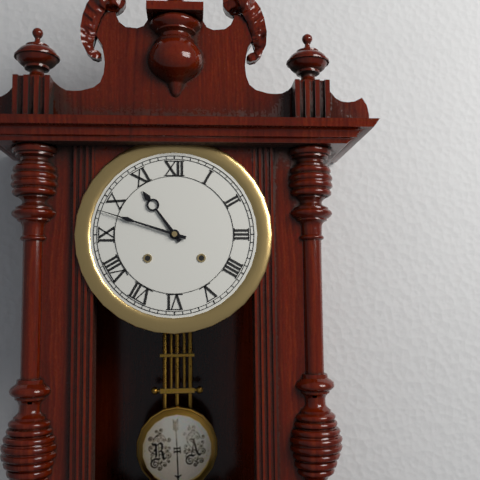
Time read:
10.48
